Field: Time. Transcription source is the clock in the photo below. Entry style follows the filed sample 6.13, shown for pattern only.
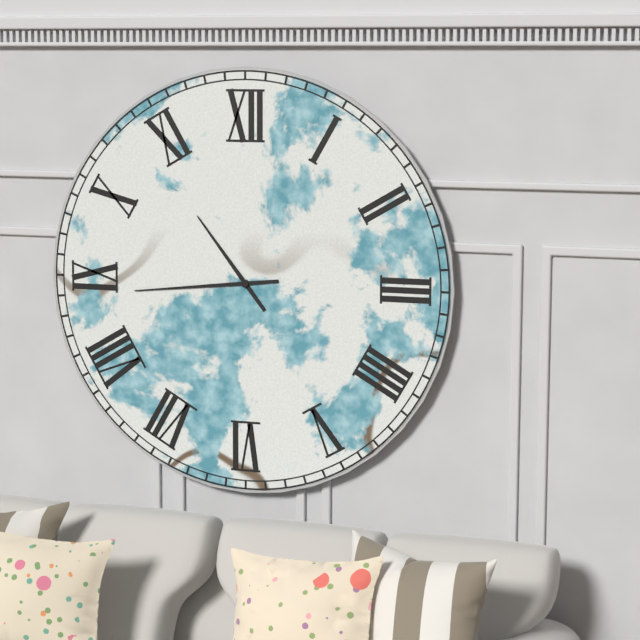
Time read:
10.44
